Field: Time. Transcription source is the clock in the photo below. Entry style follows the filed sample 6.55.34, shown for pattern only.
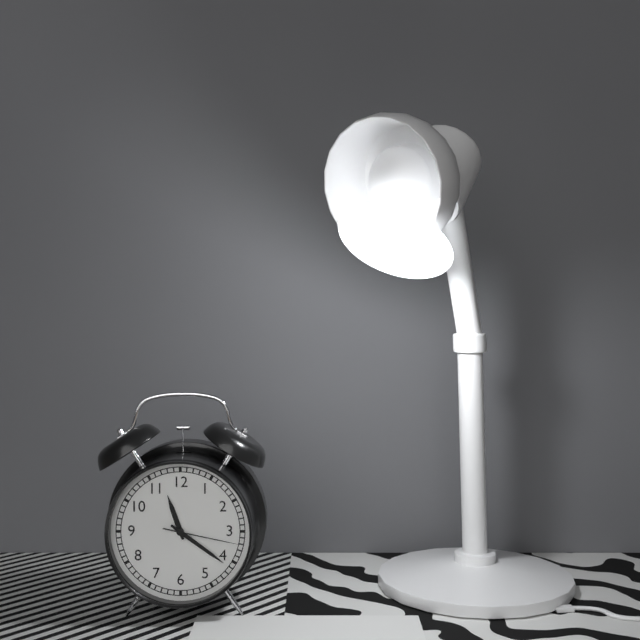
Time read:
11.21.17
